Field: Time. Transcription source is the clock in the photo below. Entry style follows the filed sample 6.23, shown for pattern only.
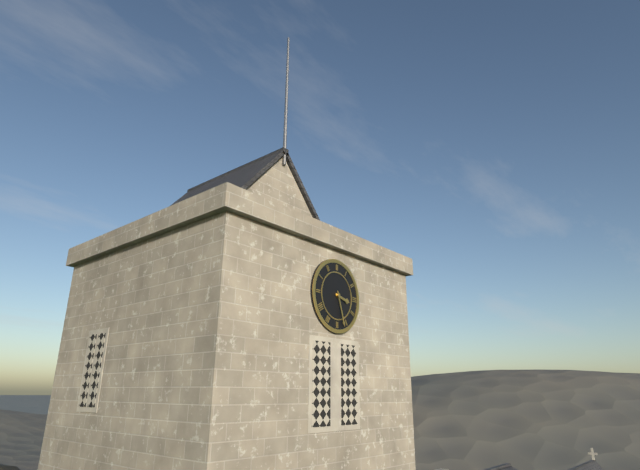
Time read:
3.27
